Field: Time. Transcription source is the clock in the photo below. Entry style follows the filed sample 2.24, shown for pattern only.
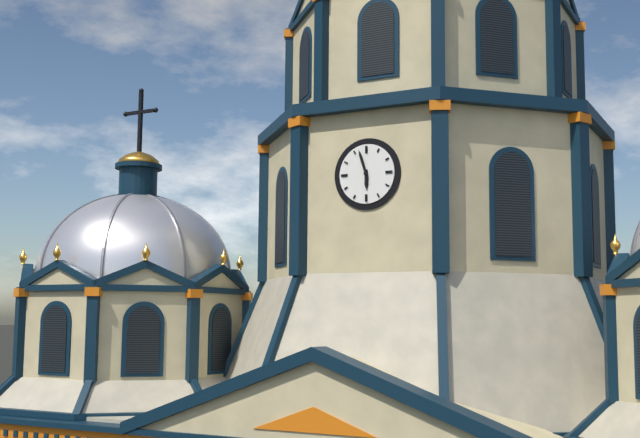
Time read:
5.57
